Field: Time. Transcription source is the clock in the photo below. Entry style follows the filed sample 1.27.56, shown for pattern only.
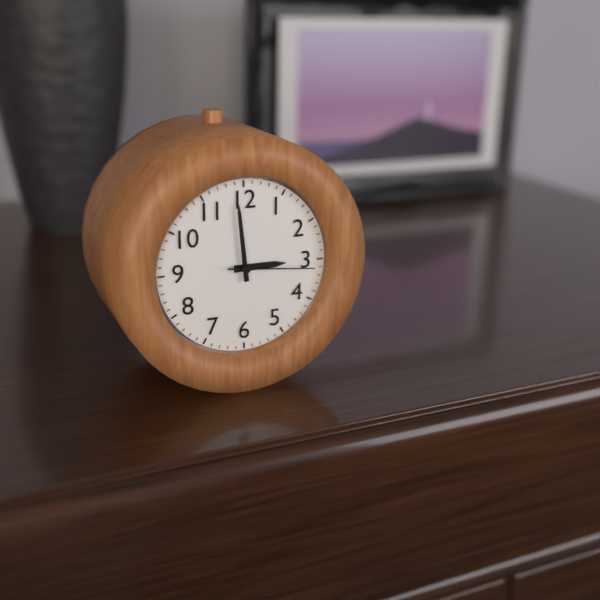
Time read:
2.59.16
